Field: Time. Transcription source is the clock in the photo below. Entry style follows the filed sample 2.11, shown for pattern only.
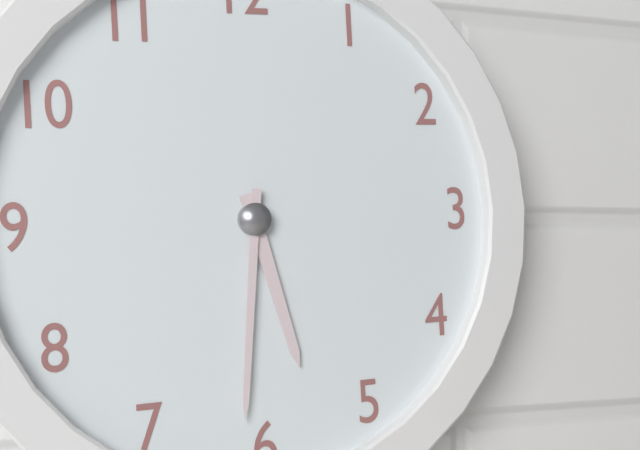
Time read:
5.31
